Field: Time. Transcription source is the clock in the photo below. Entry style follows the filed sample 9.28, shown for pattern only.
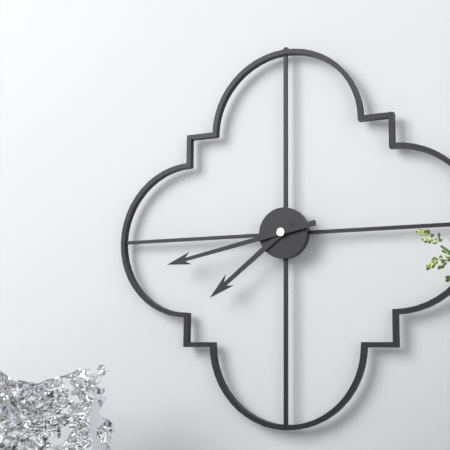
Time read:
7.43
